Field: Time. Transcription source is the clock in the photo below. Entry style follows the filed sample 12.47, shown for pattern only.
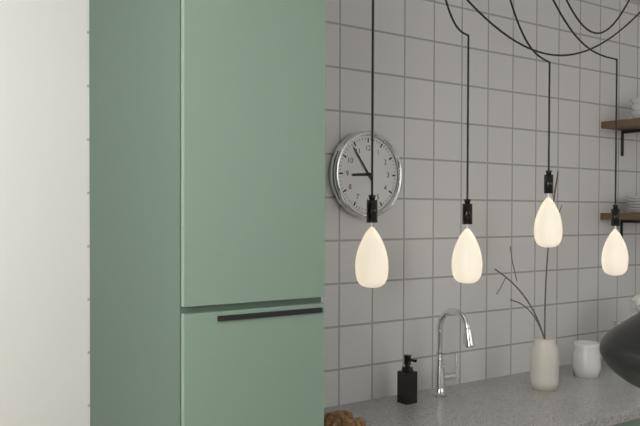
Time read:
8.54
